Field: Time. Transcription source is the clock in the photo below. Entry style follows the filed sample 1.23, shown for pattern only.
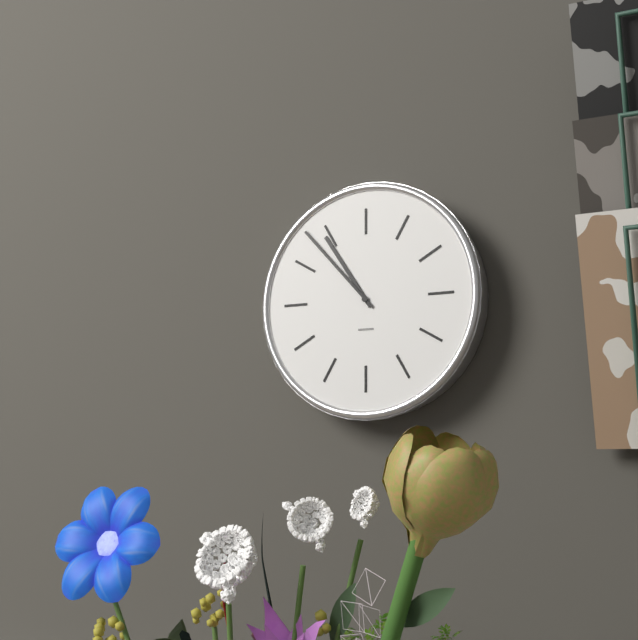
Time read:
10.53
